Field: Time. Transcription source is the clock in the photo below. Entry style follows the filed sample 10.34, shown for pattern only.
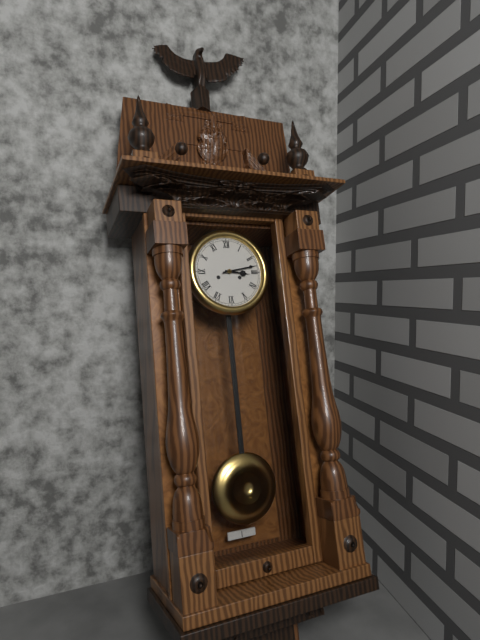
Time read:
3.13
